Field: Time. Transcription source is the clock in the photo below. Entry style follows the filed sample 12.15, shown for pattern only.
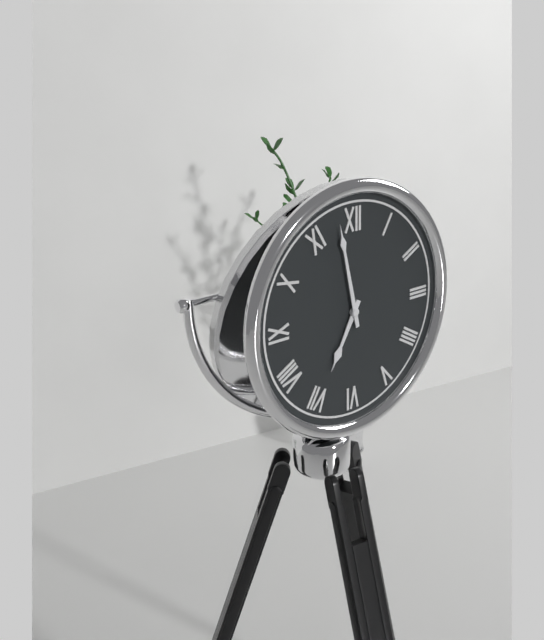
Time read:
6.58
